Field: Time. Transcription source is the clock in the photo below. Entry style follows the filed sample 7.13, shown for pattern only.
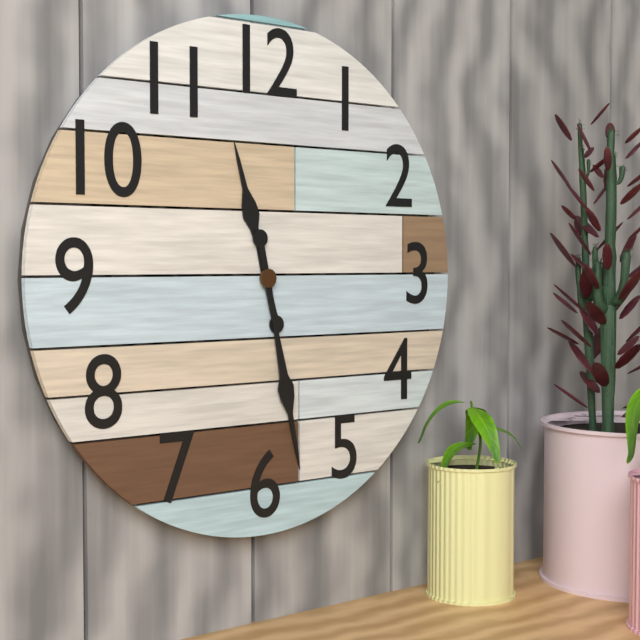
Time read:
11.28
